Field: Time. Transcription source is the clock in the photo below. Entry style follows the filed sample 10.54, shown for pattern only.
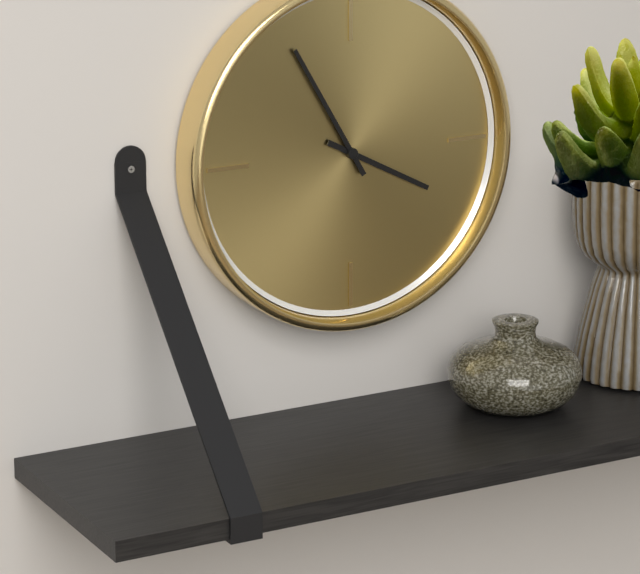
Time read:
3.55
